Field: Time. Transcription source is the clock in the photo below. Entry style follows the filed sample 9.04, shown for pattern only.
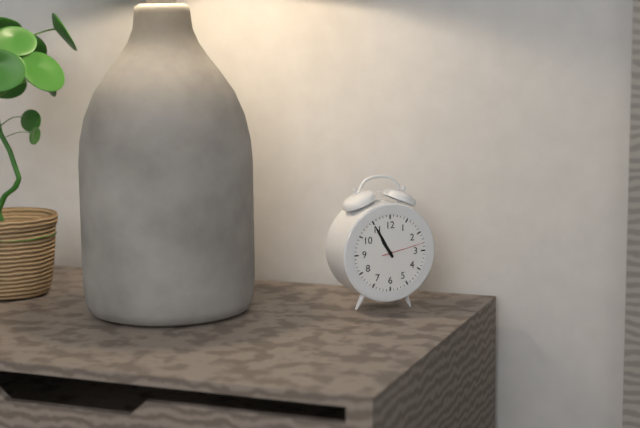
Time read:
10.55
